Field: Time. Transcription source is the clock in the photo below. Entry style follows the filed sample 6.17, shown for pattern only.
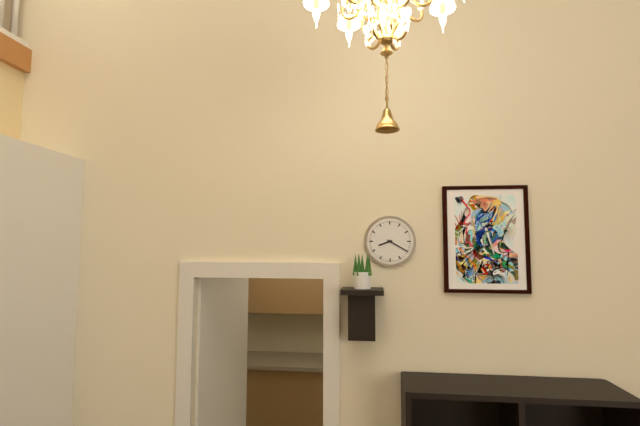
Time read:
8.20
